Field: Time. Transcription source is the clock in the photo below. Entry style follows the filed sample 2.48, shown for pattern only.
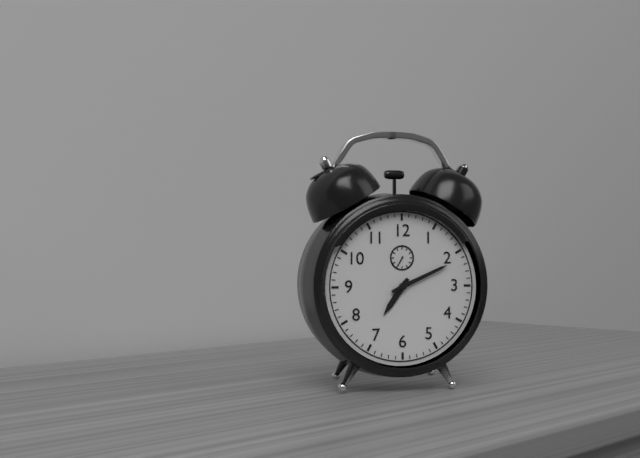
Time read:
7.11
